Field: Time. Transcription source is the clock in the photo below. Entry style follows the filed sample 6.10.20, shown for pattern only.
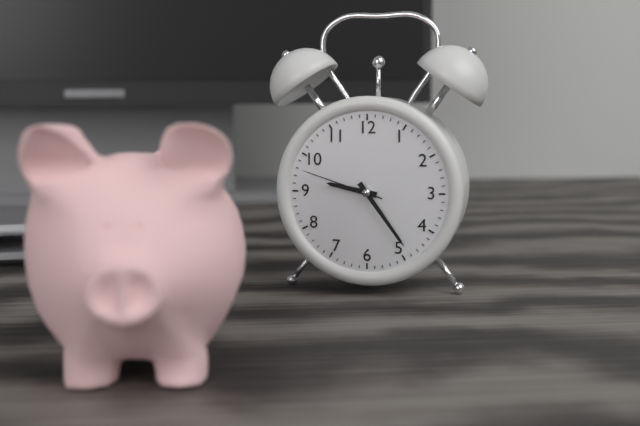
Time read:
9.24.48
